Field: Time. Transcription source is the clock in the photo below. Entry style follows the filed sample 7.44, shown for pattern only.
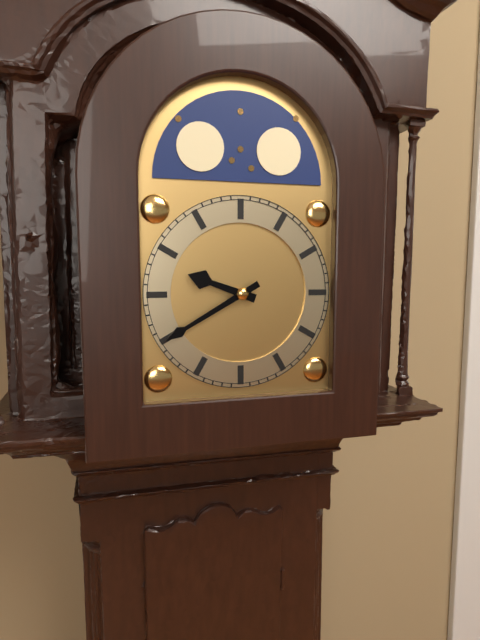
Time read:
9.40
